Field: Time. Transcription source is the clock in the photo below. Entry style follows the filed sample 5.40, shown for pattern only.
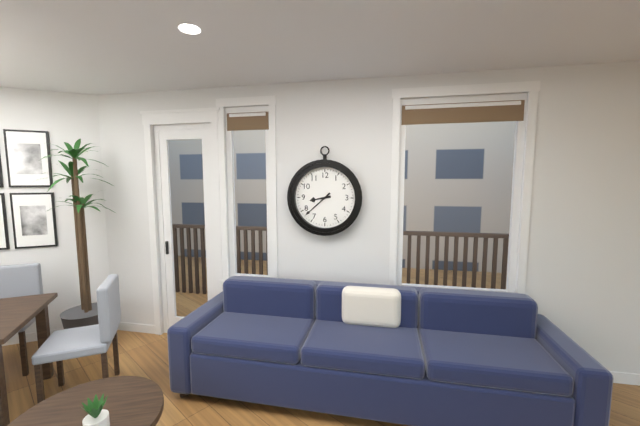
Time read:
8.38
